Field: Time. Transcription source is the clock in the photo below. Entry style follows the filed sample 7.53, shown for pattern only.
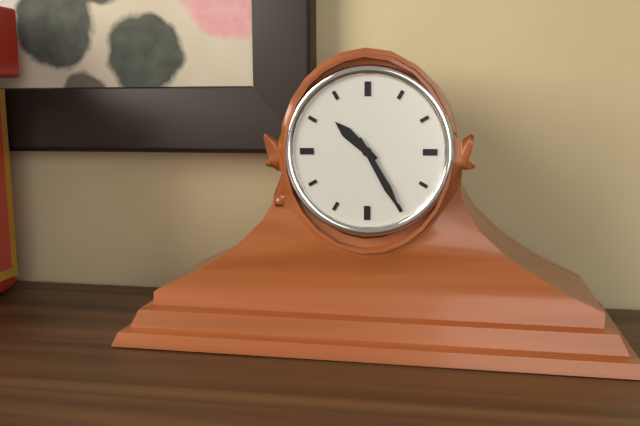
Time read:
10.25
